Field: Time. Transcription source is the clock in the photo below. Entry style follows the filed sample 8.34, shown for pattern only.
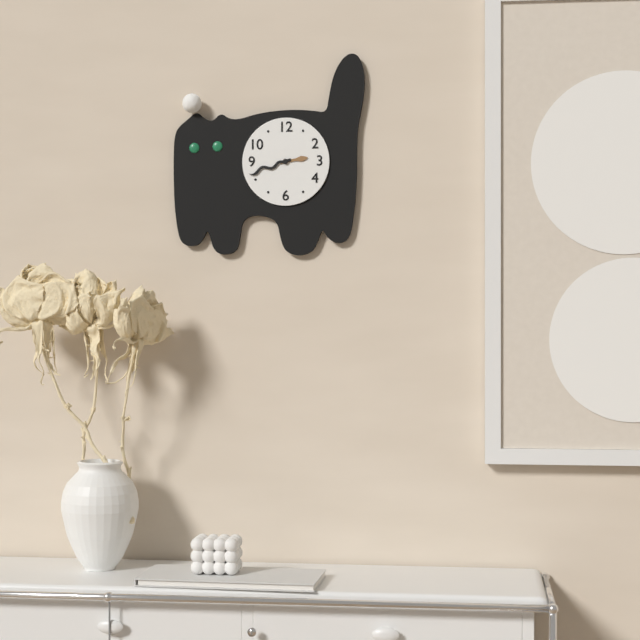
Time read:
2.42
